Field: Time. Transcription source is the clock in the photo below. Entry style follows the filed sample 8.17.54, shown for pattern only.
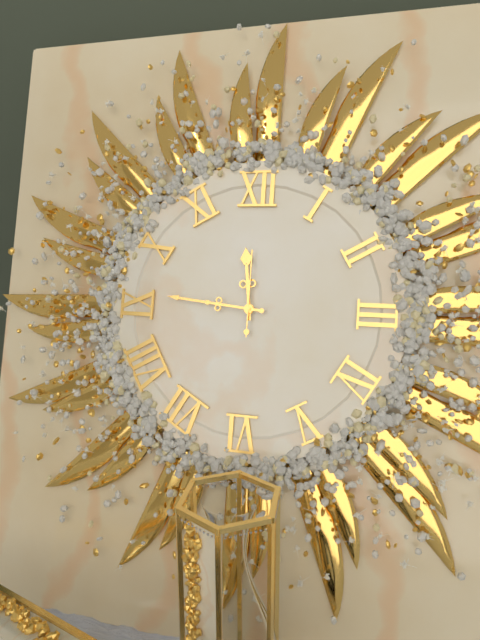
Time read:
11.46.00
